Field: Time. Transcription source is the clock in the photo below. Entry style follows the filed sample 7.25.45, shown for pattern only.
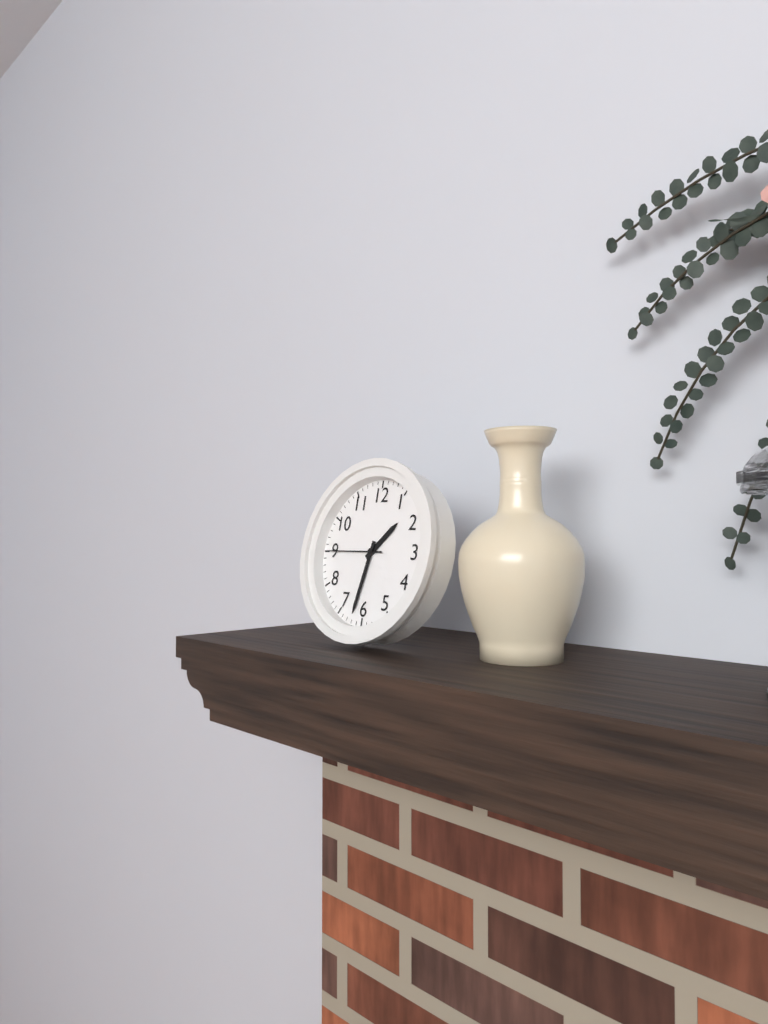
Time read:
1.32.45
